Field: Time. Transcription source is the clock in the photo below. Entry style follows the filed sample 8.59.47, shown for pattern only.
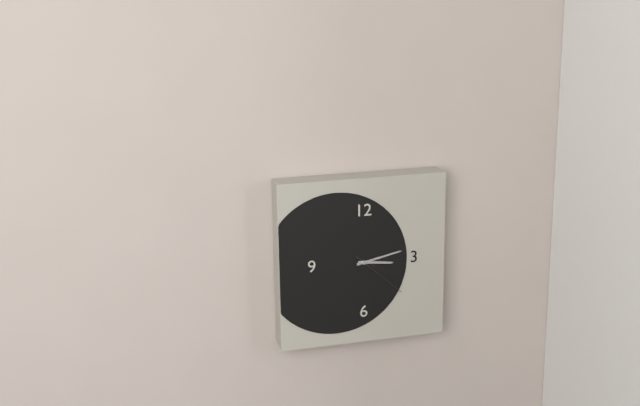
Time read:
3.13.22
